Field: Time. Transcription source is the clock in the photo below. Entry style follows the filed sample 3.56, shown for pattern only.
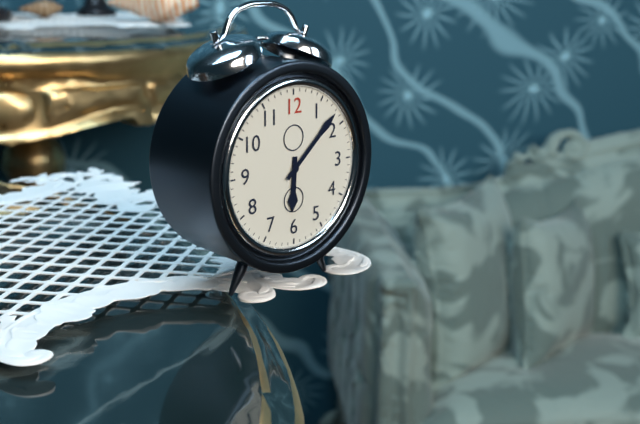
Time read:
6.08
